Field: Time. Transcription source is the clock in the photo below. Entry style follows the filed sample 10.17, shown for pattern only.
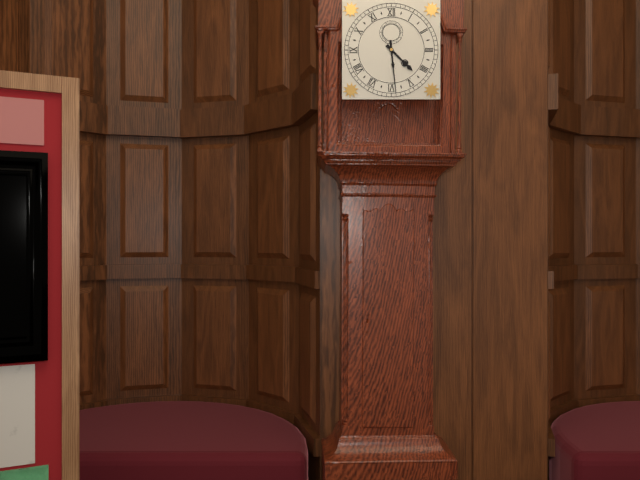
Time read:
4.29
